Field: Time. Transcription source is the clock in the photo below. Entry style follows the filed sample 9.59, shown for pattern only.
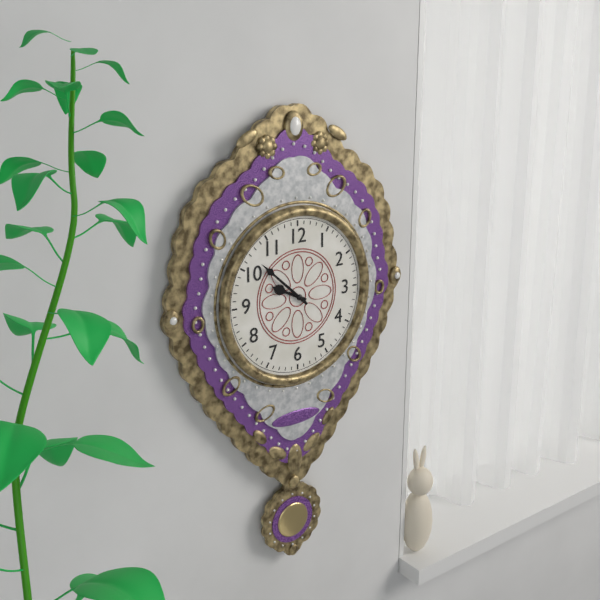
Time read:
9.52
